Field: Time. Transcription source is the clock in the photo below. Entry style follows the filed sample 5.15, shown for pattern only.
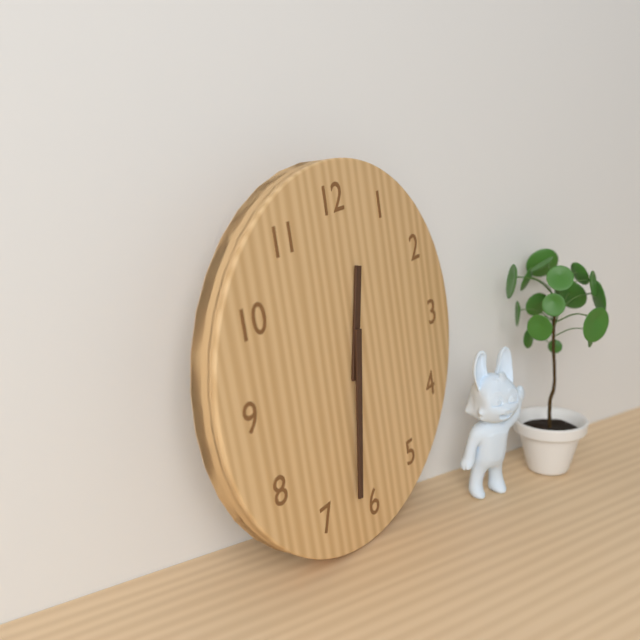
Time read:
12.32
